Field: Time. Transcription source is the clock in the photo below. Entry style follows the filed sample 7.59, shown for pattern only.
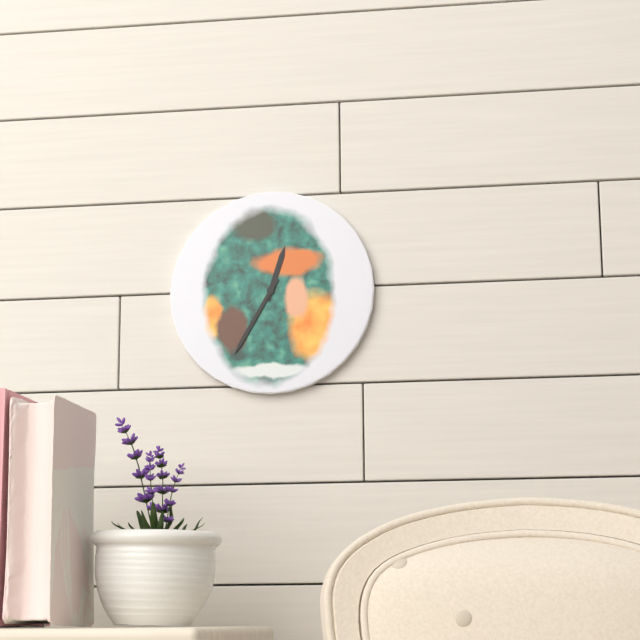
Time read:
12.35
